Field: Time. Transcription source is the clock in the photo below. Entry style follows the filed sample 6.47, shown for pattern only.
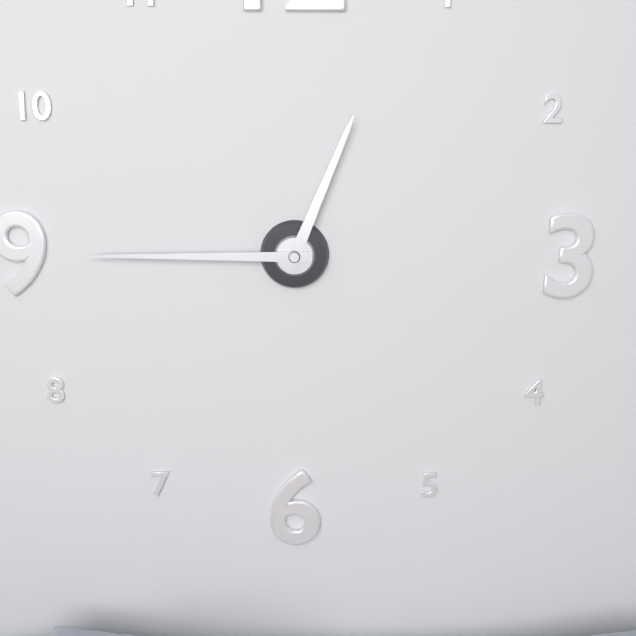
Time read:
12.45
